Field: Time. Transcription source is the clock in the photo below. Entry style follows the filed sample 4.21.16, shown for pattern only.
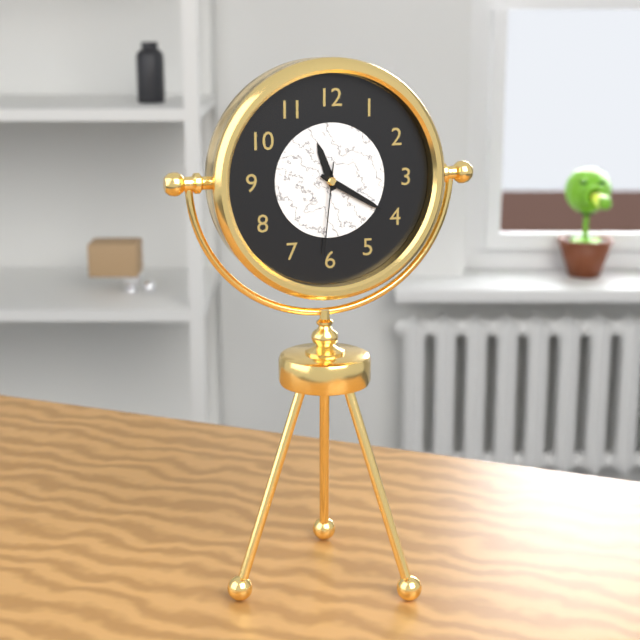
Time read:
11.20.31
